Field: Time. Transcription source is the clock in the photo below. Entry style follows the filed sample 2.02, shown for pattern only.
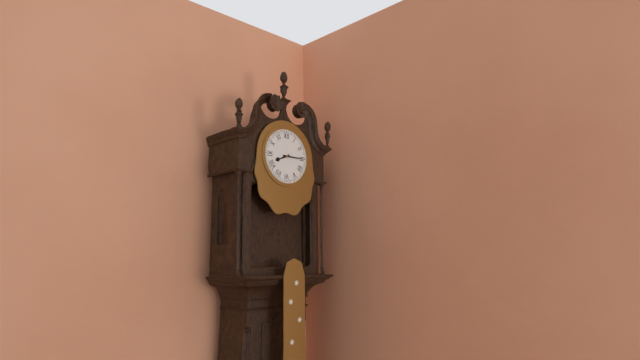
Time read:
8.15
